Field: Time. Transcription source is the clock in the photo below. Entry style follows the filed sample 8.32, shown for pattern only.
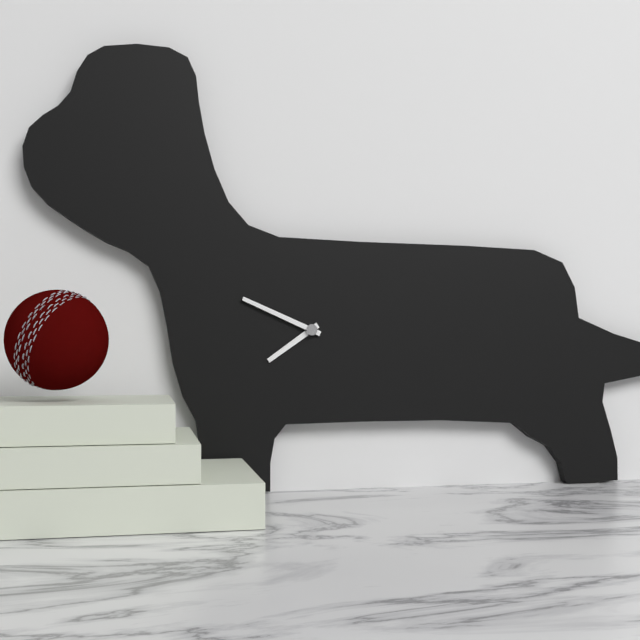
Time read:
7.49
